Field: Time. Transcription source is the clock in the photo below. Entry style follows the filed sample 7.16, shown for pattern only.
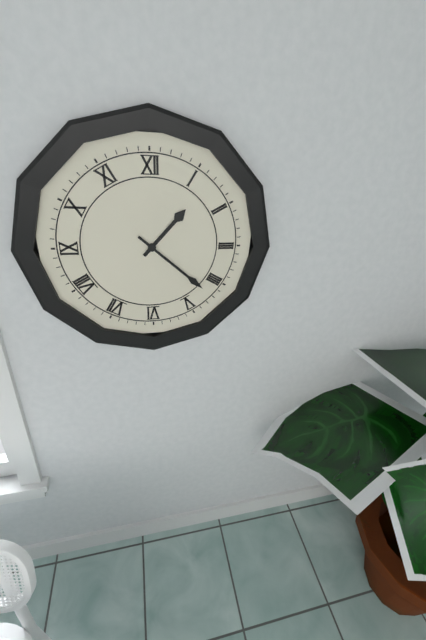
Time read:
1.22
